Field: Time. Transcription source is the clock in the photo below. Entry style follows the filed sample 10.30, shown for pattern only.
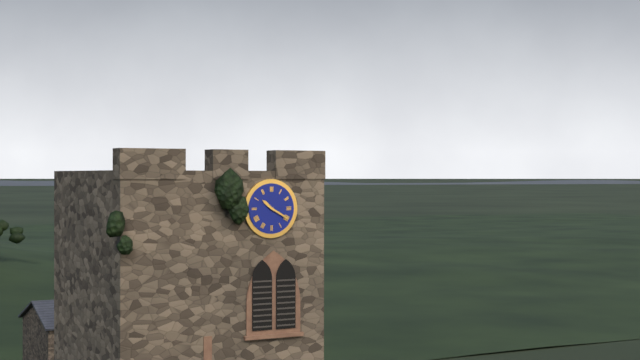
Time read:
10.20
